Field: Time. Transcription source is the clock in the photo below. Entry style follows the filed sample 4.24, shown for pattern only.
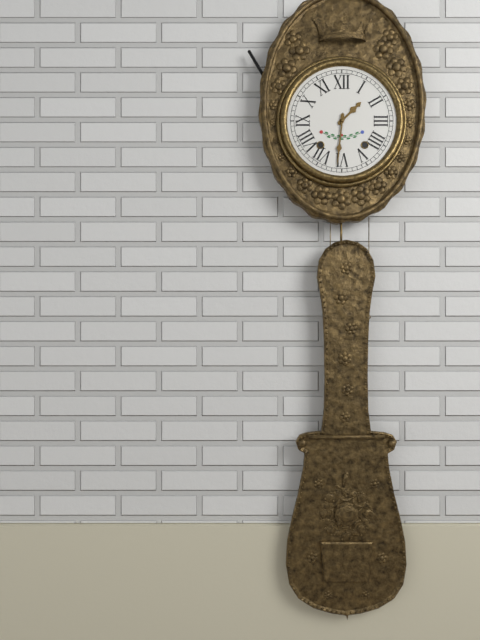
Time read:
1.31
